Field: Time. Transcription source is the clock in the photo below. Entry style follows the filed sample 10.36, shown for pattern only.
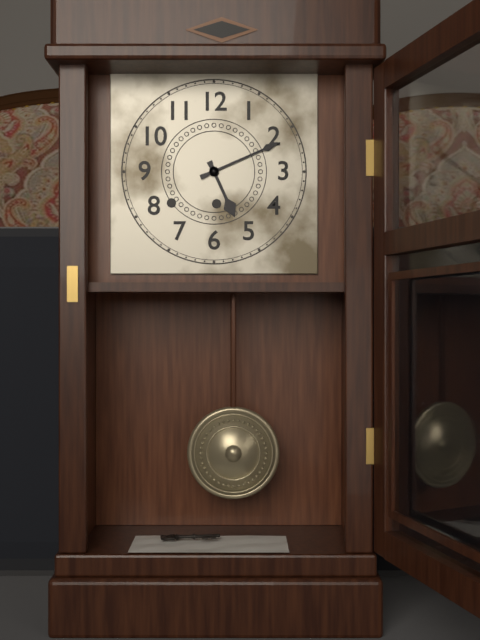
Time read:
5.11
